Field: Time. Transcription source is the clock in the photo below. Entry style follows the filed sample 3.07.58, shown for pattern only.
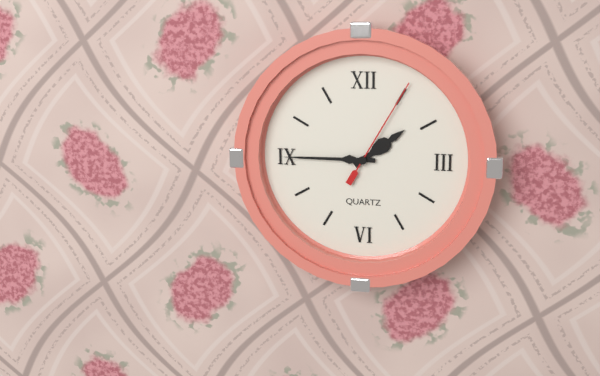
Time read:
1.45.05
